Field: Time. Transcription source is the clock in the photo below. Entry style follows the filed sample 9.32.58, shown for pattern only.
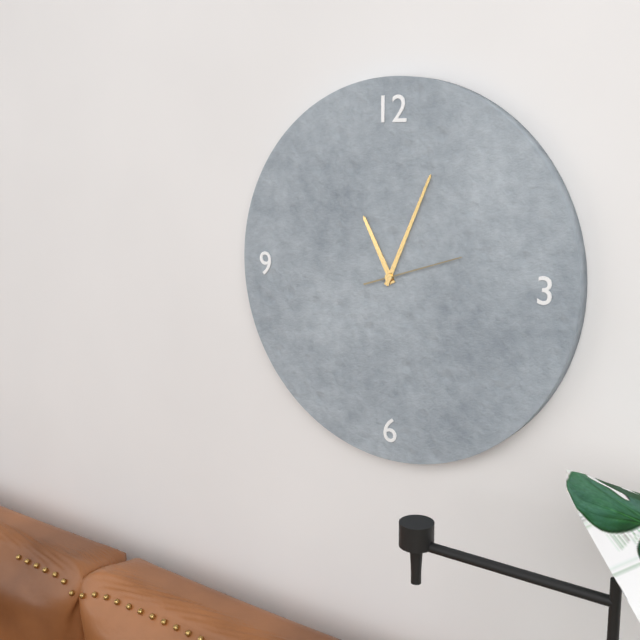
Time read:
11.04.12
